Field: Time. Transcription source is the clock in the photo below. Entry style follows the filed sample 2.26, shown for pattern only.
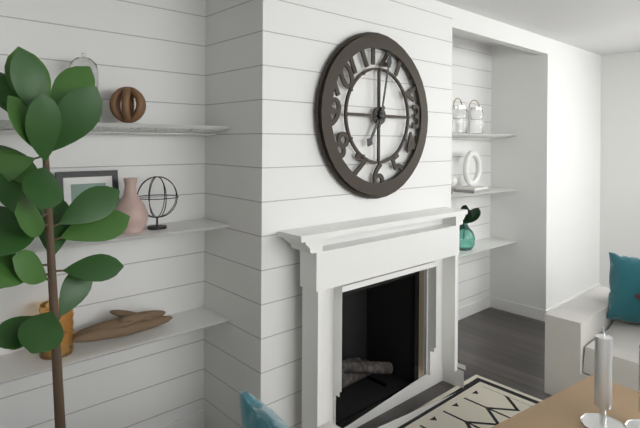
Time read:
7.02
